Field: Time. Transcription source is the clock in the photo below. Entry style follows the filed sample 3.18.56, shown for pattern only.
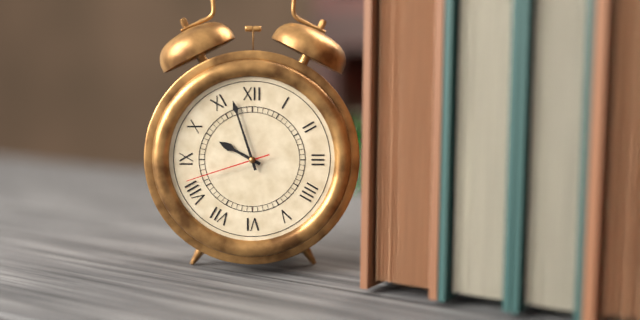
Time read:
9.57.42
